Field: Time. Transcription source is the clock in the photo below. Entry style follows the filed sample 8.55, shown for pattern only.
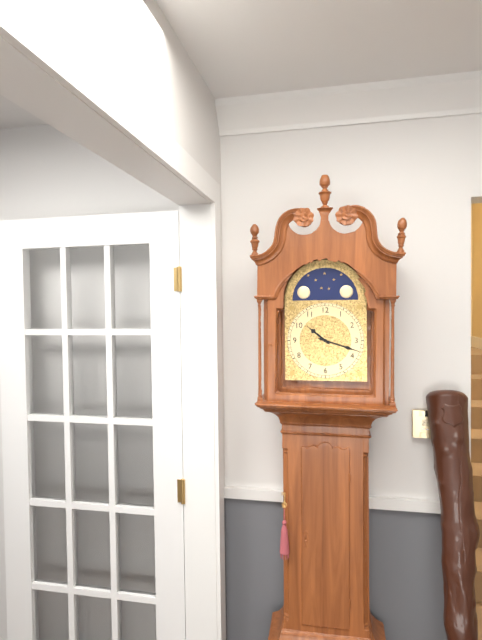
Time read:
10.18
